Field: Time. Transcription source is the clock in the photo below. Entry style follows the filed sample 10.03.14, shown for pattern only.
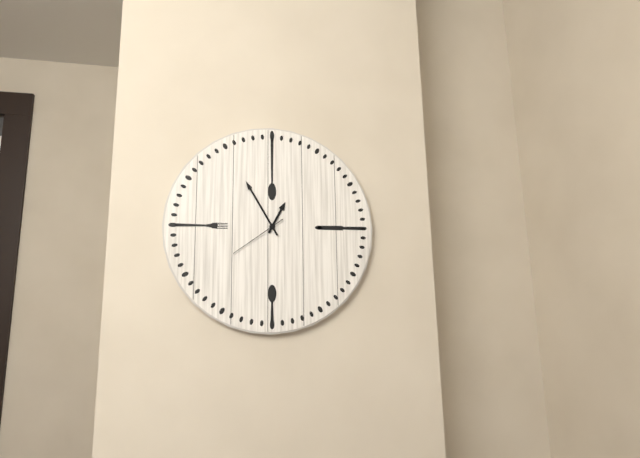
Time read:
12.55.39
